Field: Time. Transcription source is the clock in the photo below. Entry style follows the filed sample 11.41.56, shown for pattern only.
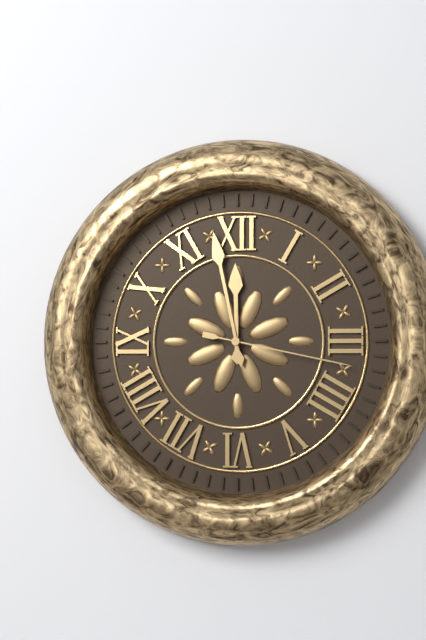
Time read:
11.58.17
